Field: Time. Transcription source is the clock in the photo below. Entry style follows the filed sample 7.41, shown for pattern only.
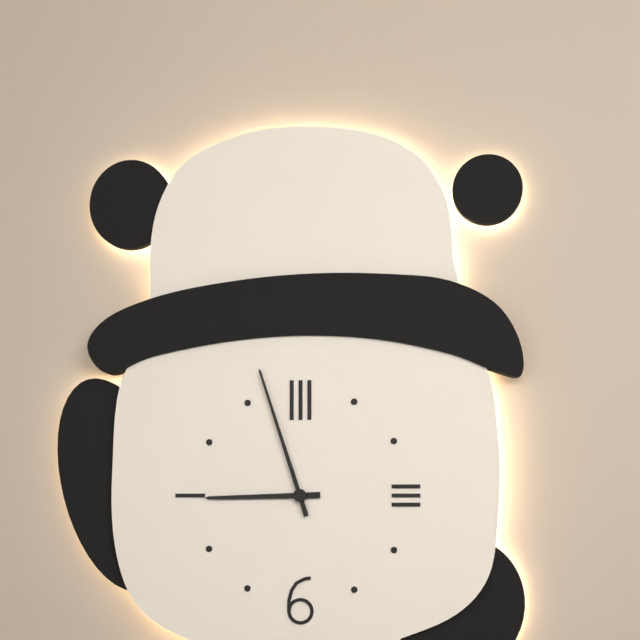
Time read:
8.57
